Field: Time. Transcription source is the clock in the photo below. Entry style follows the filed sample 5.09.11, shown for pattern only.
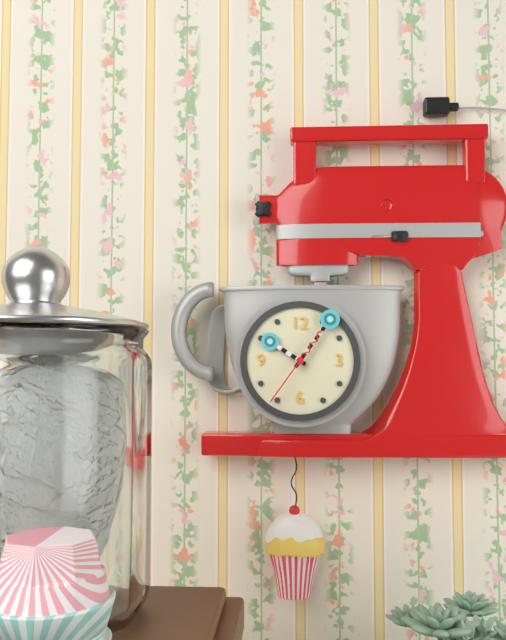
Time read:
10.06.36
